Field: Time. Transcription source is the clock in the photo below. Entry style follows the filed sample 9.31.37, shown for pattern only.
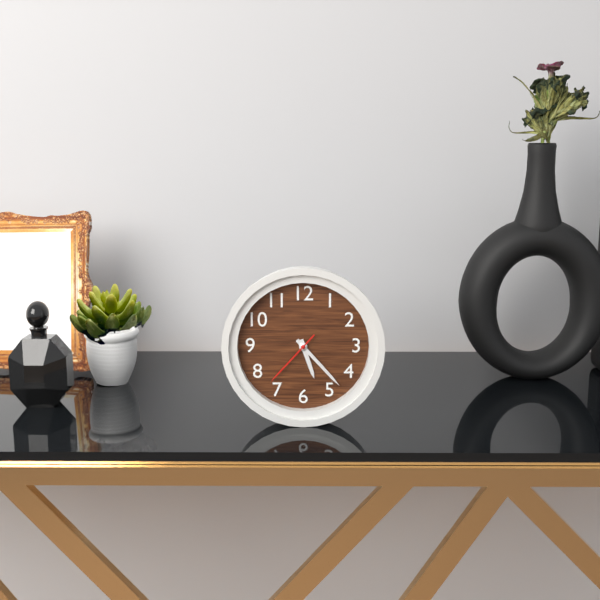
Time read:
5.23.37
